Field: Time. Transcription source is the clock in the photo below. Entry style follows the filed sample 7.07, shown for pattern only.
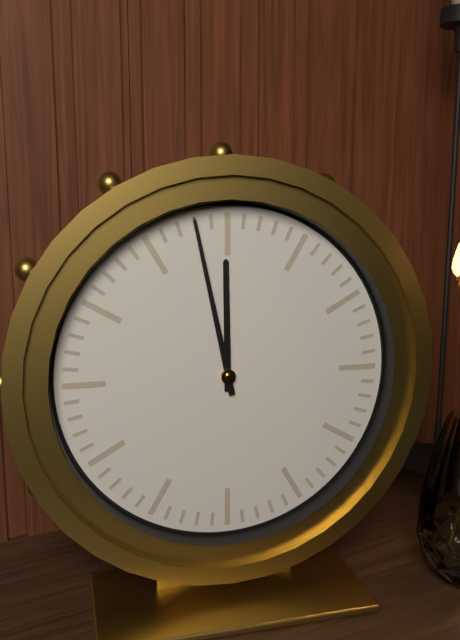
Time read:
11.58
